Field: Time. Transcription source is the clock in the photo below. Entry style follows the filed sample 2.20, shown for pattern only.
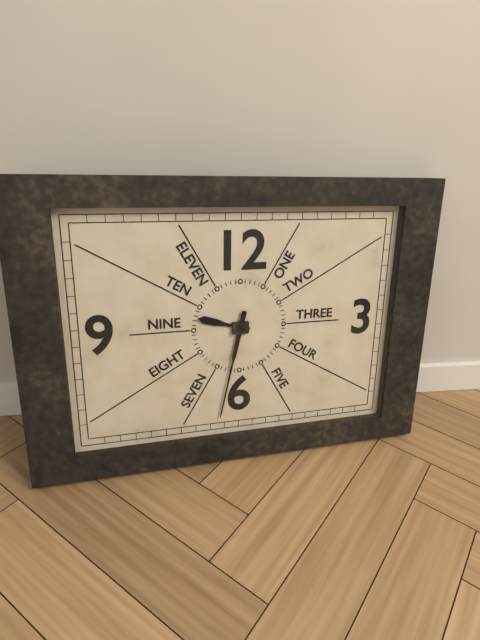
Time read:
9.32
